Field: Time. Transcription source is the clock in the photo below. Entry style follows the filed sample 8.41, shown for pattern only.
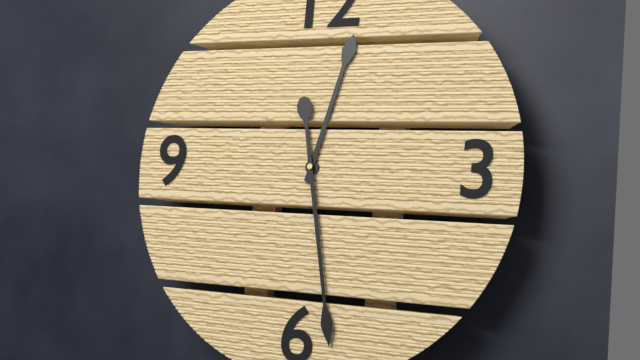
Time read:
12.28
